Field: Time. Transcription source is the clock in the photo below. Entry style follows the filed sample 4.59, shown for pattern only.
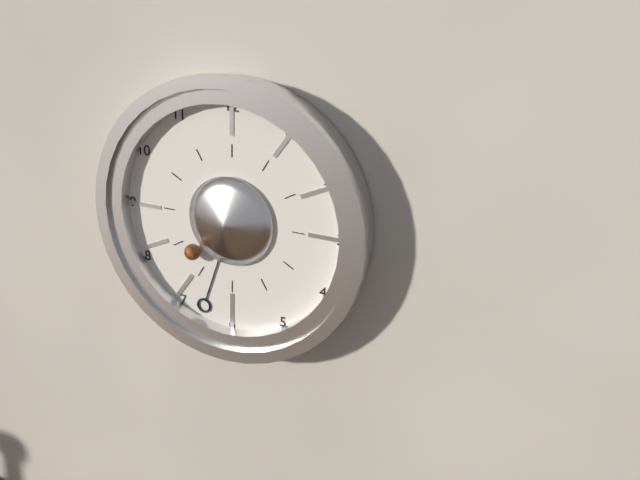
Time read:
7.33
